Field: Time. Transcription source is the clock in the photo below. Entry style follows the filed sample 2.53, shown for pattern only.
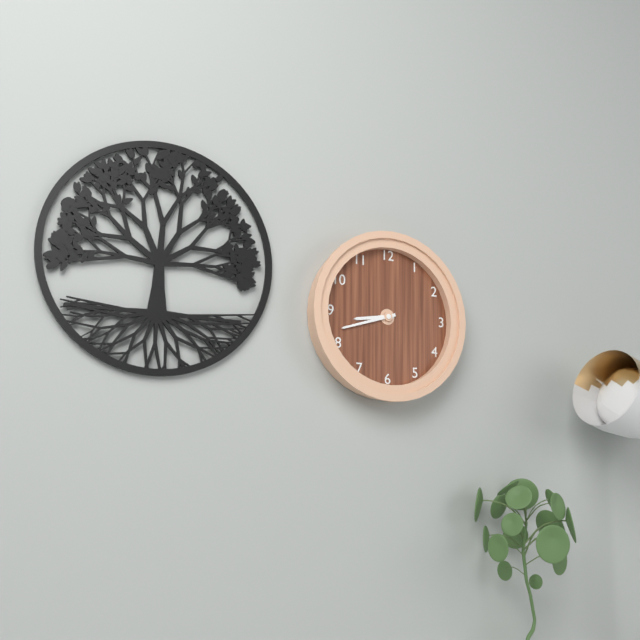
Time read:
8.42
